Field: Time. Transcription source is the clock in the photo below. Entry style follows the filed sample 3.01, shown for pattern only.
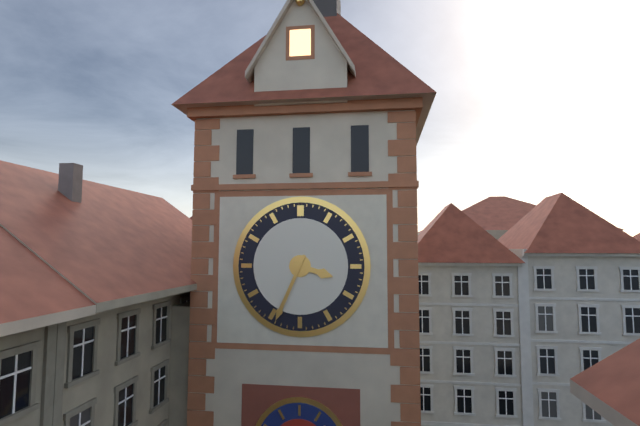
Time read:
3.34
